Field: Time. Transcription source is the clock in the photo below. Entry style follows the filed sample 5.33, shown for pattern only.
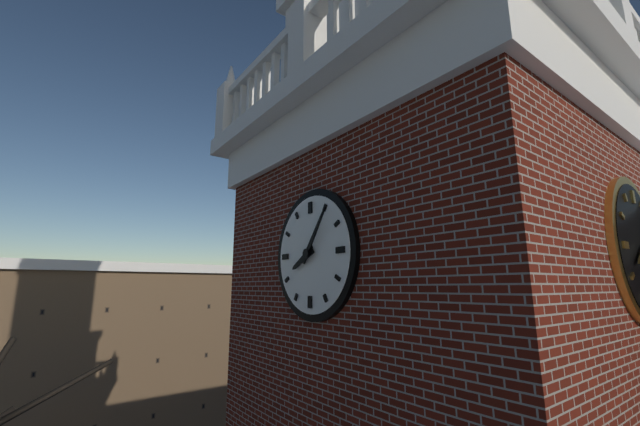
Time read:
8.06
